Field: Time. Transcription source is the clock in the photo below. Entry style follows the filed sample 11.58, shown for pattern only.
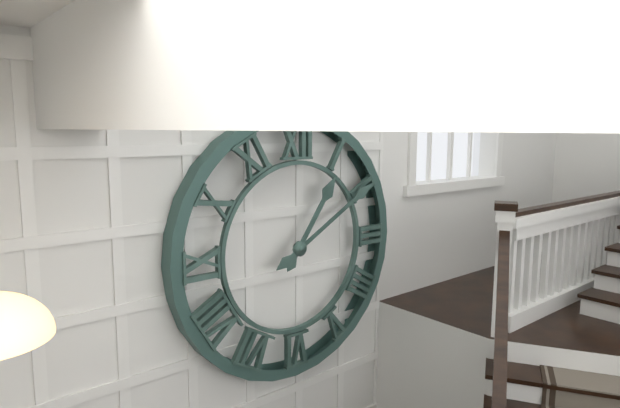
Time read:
1.10
